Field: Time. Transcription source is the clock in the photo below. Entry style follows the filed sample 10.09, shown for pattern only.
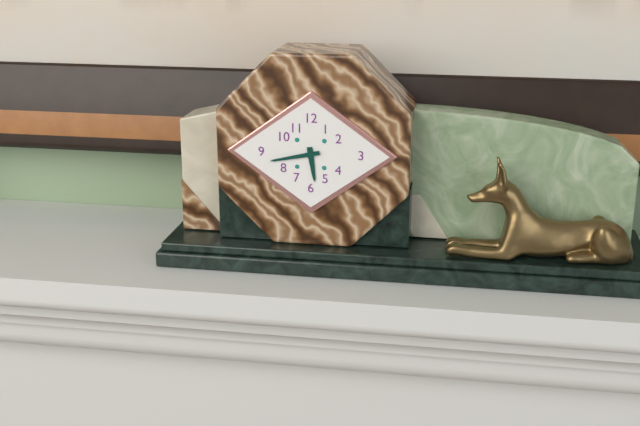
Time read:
5.43
